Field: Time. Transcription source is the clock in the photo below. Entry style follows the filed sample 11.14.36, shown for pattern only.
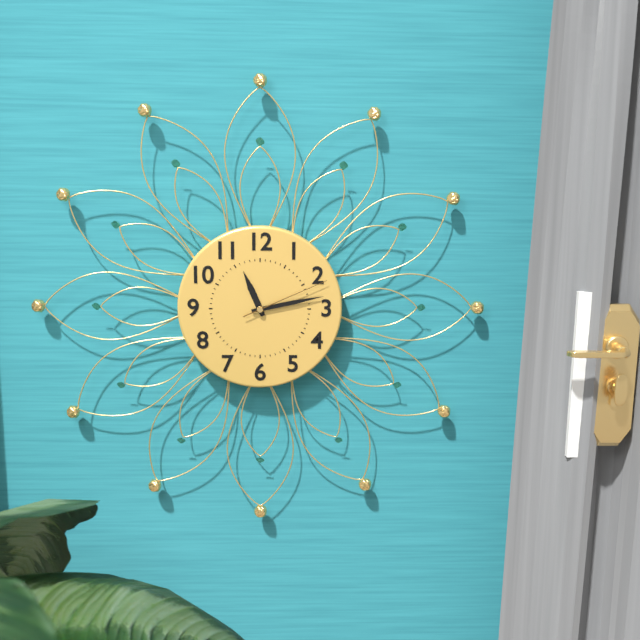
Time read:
11.13.11
